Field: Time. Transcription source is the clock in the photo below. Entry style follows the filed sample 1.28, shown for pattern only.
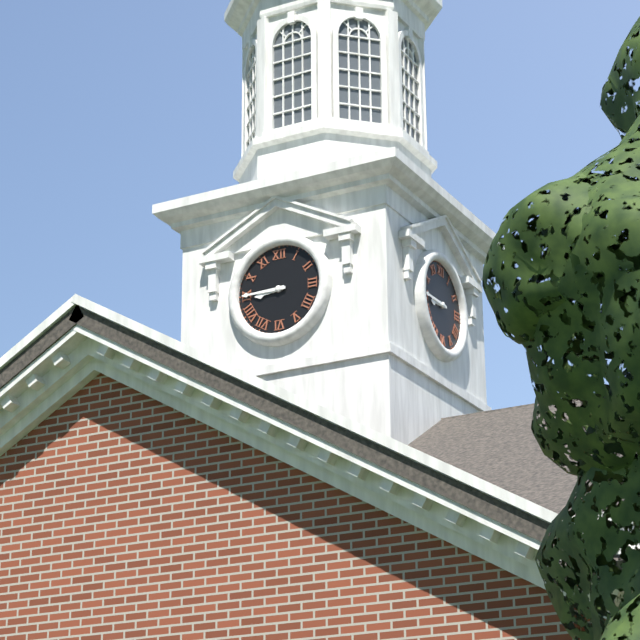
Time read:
8.45
